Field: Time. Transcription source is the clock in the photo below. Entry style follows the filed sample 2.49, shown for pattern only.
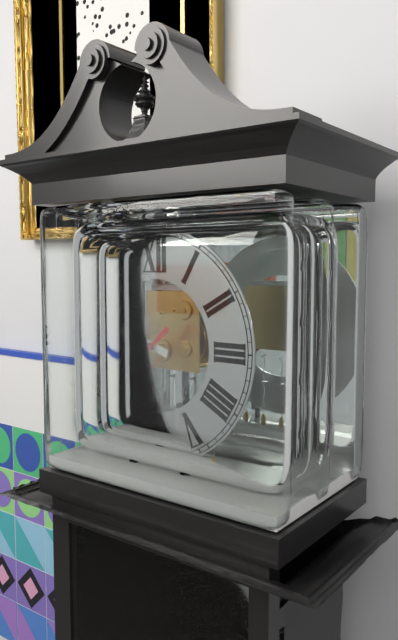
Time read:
9.38
